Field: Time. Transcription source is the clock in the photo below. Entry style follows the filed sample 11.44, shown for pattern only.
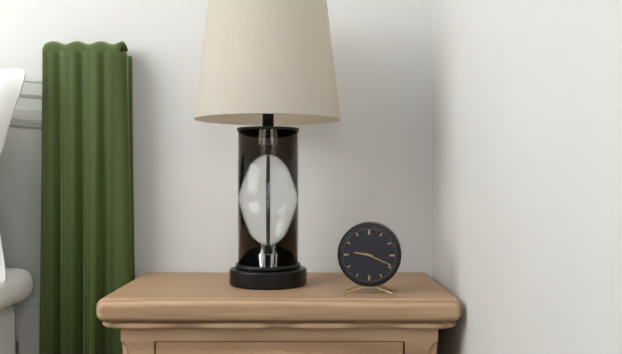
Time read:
9.19
